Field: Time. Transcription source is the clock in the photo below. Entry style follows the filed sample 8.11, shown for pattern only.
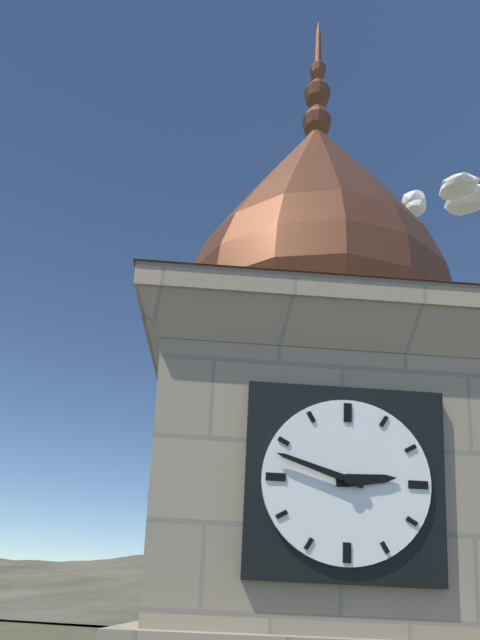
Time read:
2.48
